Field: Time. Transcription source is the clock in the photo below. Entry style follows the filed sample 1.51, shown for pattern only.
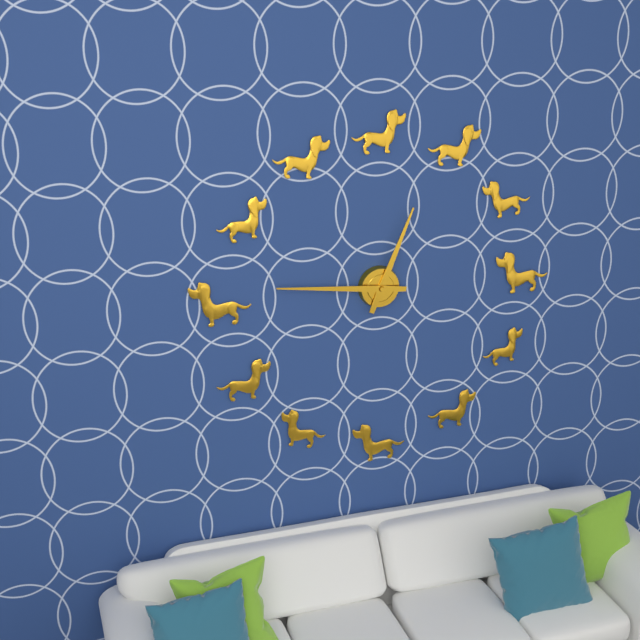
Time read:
12.46
